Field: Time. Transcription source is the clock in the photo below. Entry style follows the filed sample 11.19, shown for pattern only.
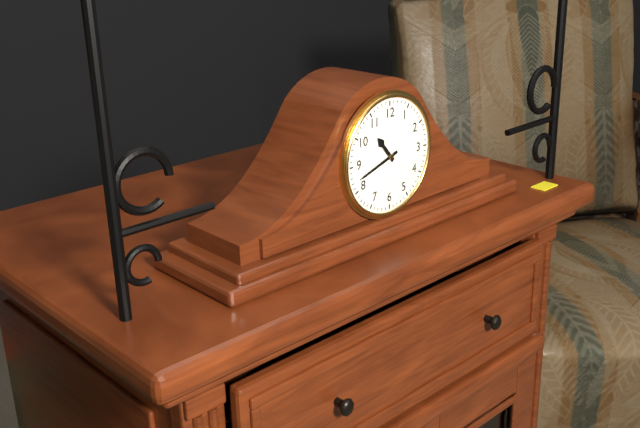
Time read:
10.42
